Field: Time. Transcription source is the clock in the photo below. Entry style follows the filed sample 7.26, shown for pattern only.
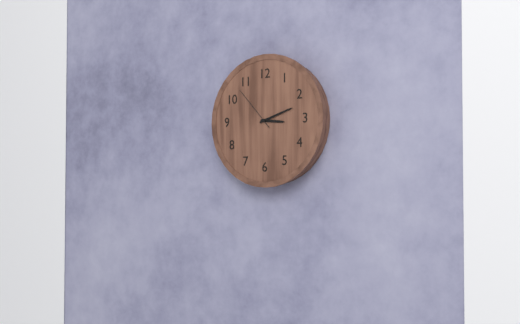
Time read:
3.12
